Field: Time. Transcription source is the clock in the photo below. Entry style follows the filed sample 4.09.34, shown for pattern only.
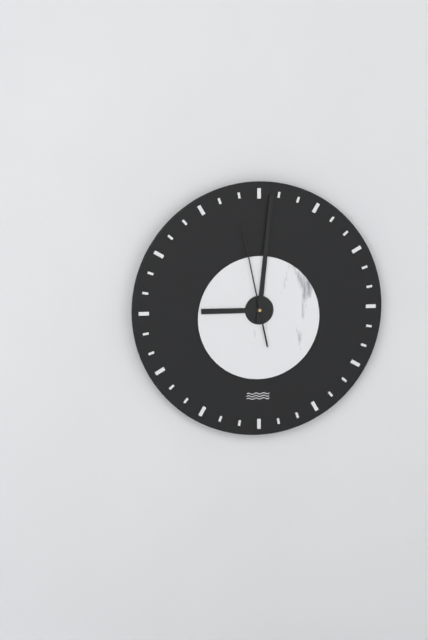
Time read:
9.01.58
